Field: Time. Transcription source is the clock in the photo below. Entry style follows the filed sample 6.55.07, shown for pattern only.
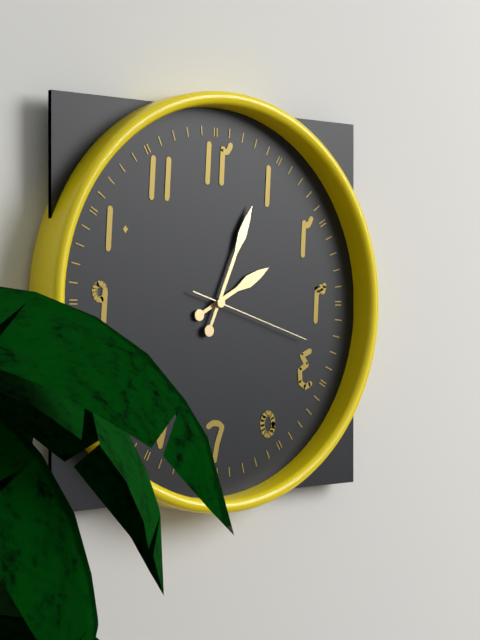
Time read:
2.04.18
